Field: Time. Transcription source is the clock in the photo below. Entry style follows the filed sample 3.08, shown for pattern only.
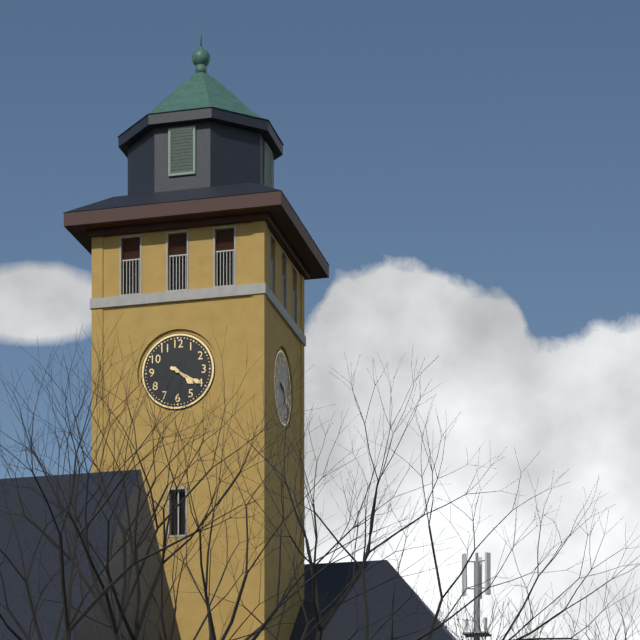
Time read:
4.20
